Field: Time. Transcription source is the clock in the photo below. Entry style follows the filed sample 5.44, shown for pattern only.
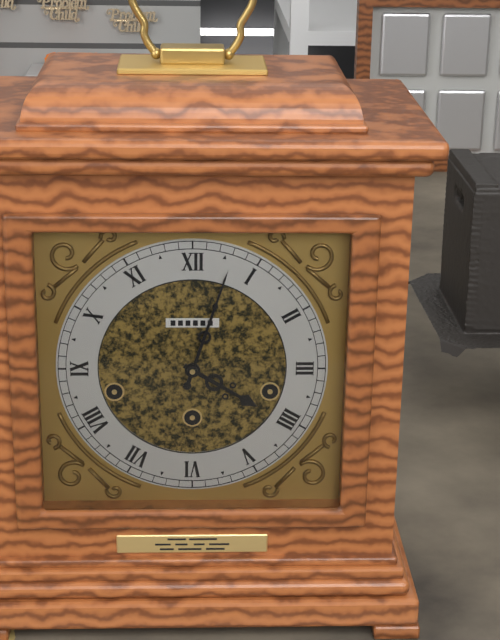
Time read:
4.03
